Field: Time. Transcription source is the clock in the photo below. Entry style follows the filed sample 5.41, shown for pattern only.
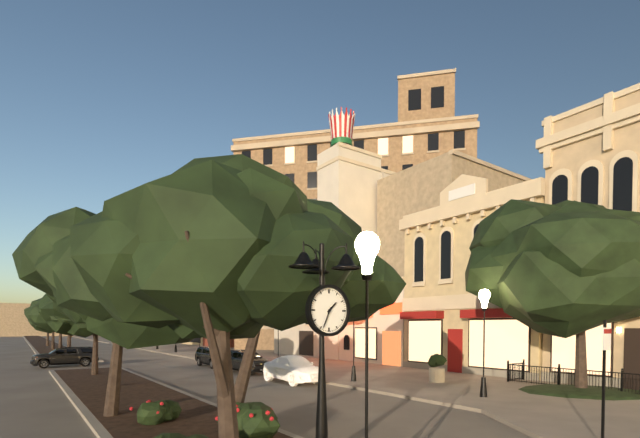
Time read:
1.34
